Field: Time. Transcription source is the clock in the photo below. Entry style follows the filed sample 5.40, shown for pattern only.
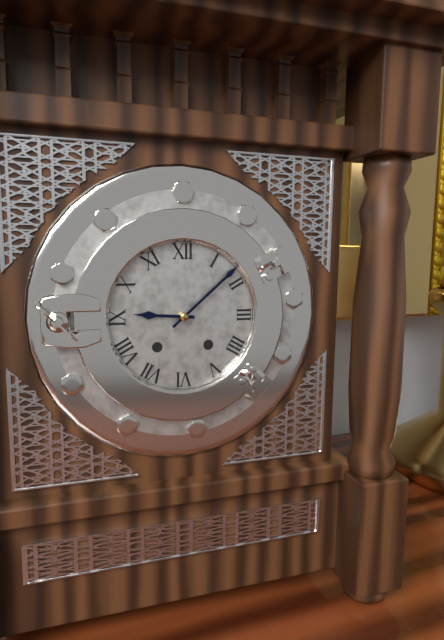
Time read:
9.08
